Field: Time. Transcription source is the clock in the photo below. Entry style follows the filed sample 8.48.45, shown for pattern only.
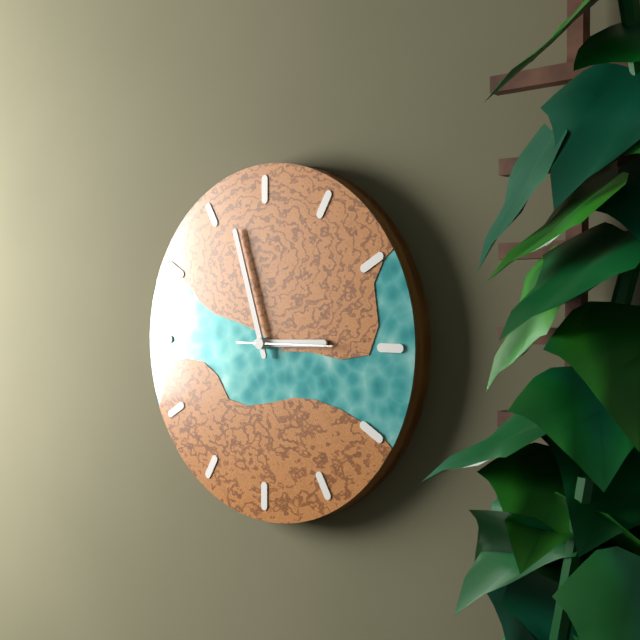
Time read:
2.57.15
